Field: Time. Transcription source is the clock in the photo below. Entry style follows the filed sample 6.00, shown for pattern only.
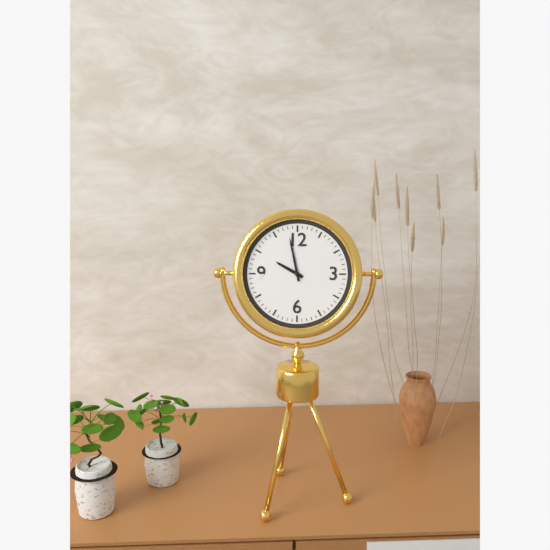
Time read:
9.58
